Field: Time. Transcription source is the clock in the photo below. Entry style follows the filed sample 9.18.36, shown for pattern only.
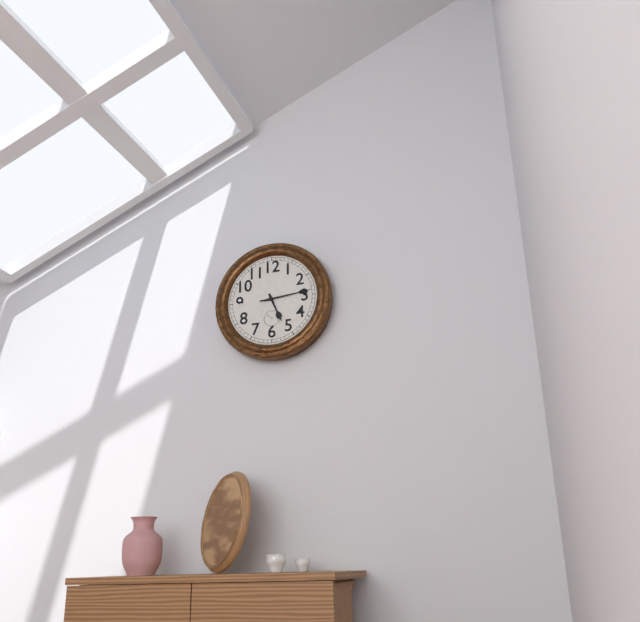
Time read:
5.14.14
